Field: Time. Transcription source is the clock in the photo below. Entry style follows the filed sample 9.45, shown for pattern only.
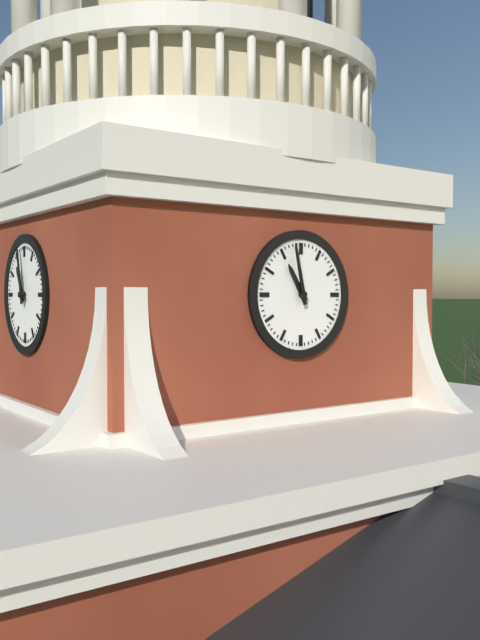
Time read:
10.58
